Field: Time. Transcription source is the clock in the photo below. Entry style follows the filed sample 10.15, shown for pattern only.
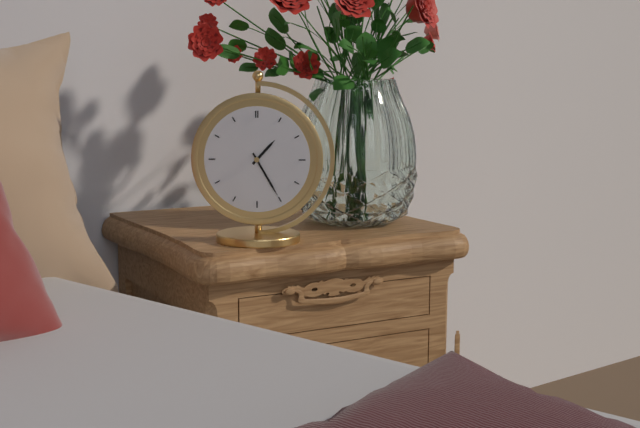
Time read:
1.25
